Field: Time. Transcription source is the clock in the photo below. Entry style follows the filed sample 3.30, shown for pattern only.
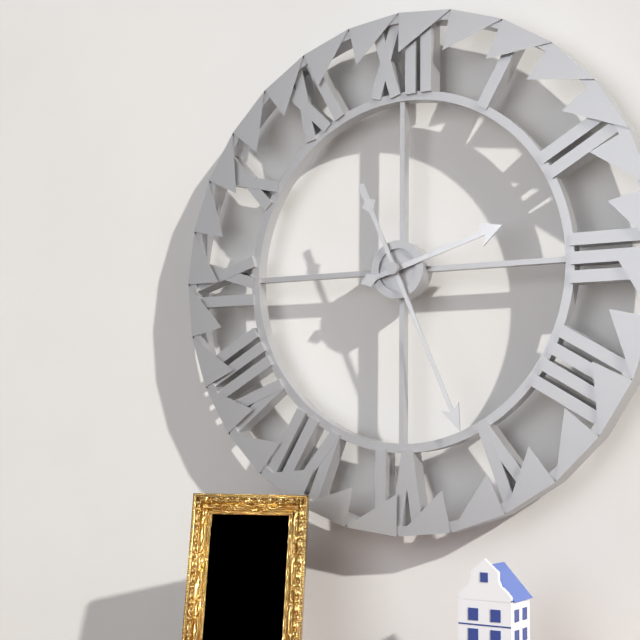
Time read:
2.26
